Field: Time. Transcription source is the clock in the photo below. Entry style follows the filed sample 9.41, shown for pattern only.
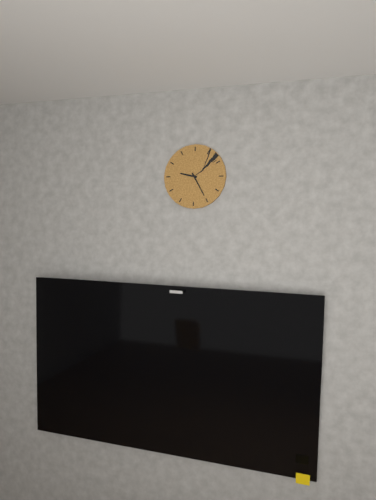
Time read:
9.25
